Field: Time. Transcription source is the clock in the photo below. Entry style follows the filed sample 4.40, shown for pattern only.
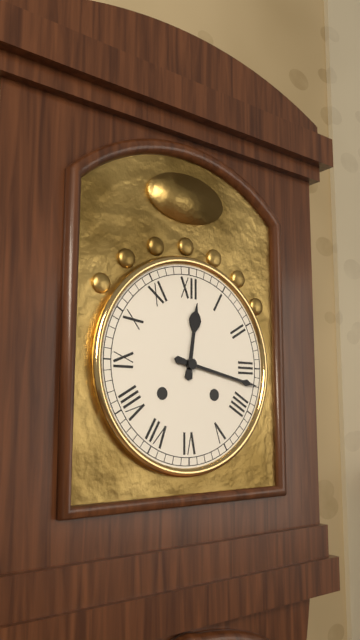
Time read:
12.17
